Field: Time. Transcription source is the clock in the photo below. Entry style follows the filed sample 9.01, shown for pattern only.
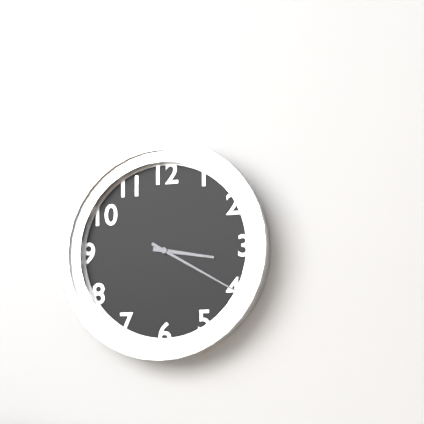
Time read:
3.20
